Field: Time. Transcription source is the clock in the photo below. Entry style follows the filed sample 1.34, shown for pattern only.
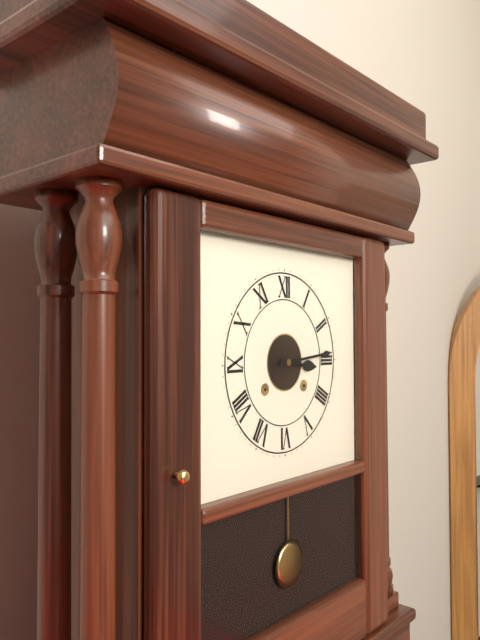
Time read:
3.14
